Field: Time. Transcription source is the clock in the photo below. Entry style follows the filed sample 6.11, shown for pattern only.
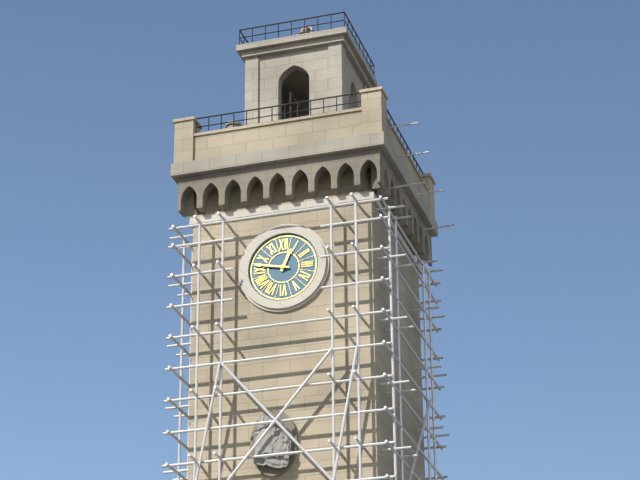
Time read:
12.47
